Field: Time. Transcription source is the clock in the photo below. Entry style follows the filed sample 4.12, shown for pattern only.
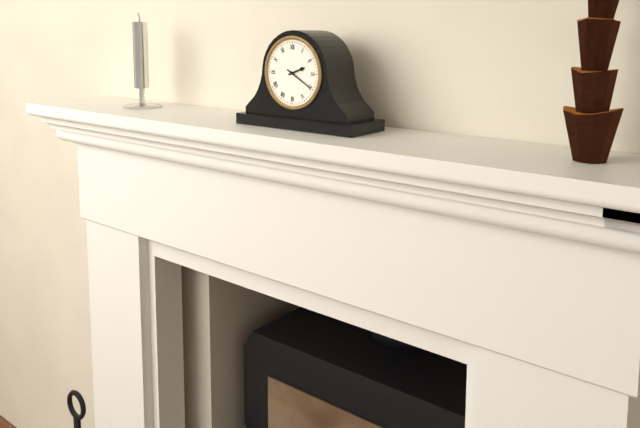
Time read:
2.20
